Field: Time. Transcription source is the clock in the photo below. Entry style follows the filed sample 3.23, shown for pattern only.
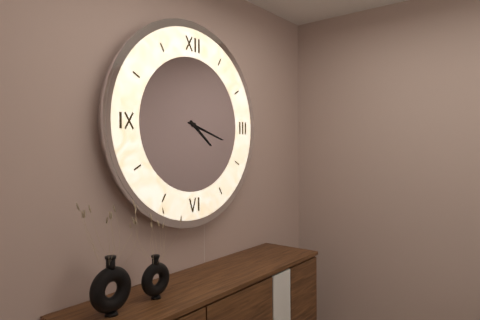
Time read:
4.18
